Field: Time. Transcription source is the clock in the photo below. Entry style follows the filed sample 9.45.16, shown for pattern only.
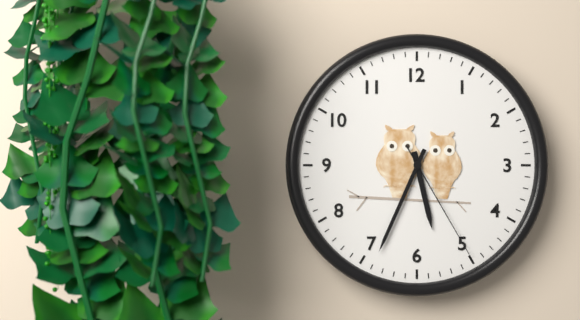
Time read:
5.34.25
